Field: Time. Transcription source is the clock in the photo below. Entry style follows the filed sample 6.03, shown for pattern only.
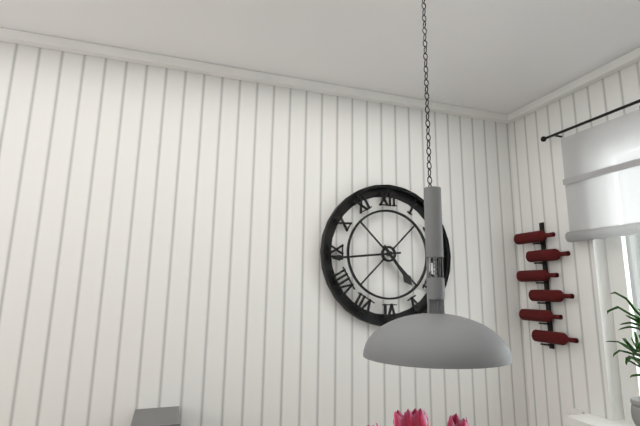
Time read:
4.44
